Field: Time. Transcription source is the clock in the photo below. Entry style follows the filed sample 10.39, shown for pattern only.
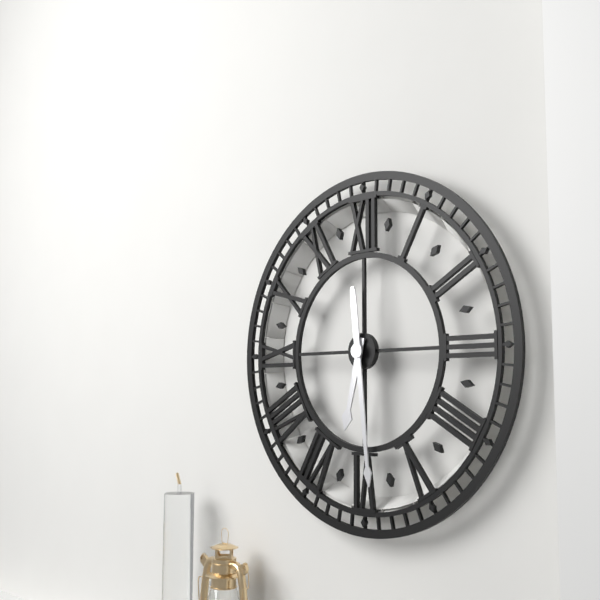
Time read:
6.29
